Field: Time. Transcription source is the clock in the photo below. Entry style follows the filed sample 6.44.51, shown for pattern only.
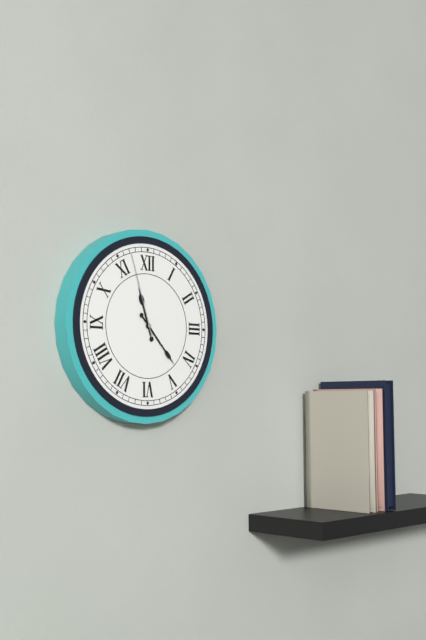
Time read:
11.23.57
